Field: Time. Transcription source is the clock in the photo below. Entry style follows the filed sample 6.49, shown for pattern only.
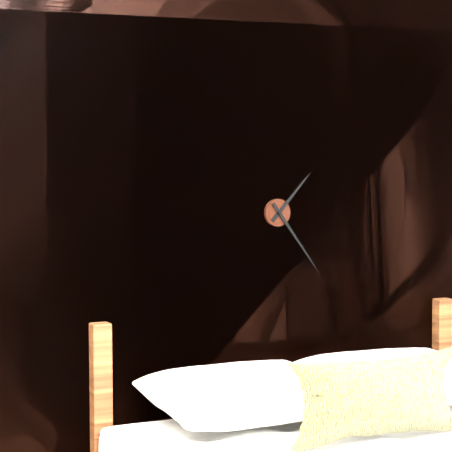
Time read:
1.24
